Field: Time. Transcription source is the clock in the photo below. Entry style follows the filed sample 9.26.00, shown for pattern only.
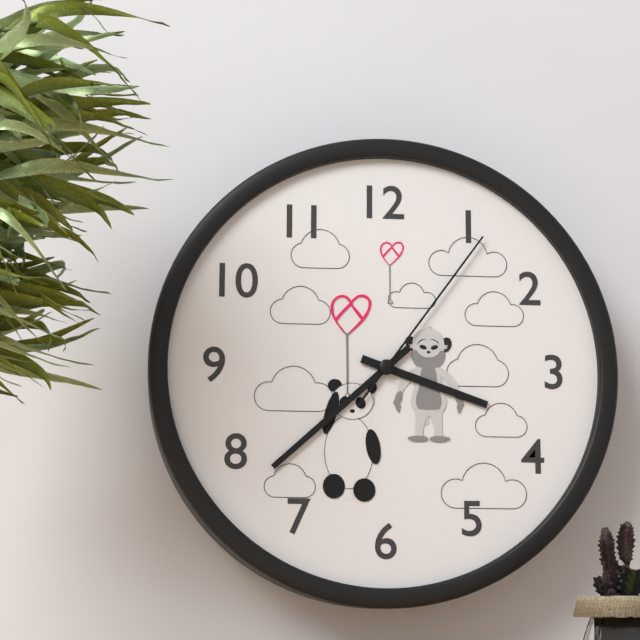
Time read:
3.38.06
